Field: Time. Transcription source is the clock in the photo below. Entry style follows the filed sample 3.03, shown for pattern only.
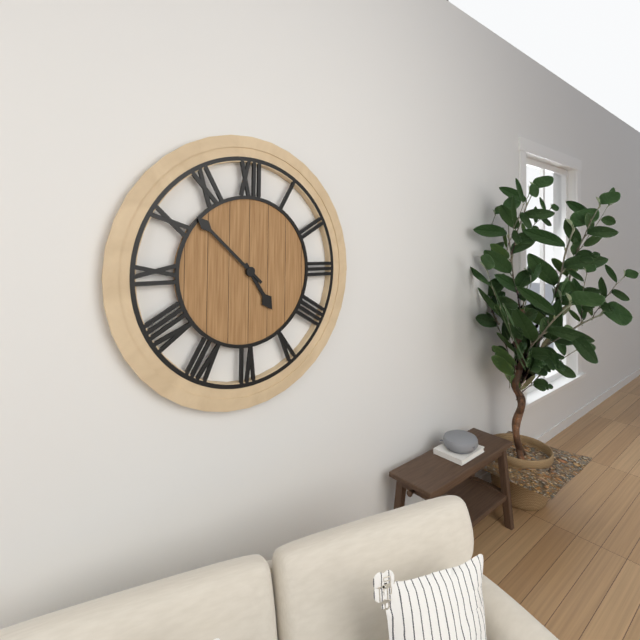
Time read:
4.52
